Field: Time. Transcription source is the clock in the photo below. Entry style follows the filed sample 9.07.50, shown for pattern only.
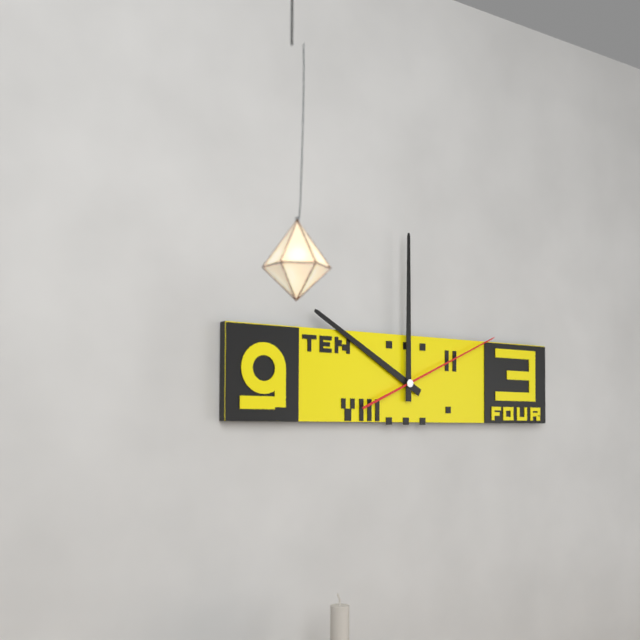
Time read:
10.00.11
